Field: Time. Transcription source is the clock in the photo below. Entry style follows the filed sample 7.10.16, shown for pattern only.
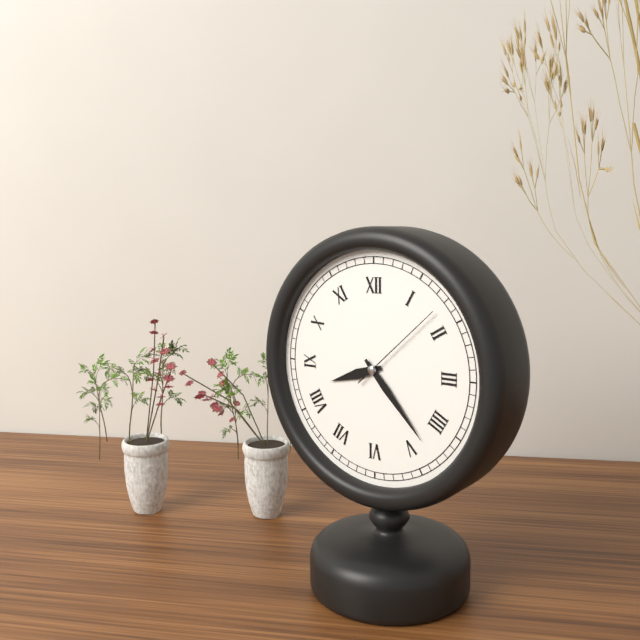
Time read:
8.23.08
